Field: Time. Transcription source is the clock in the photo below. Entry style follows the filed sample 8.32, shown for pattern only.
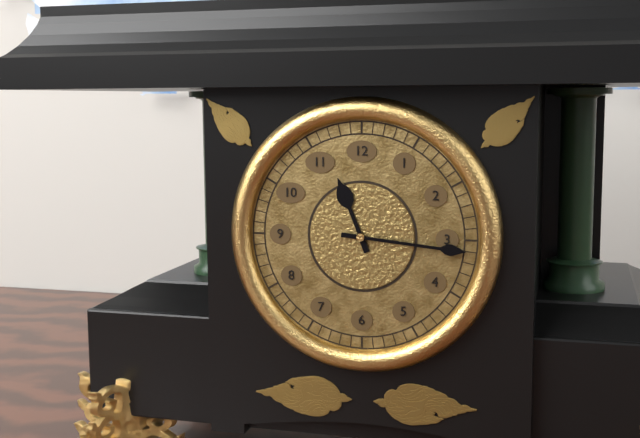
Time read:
11.16
